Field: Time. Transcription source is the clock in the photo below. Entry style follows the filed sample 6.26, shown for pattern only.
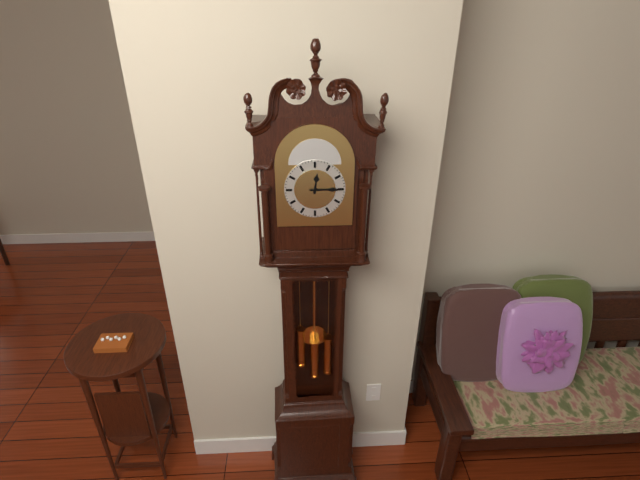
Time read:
12.15
